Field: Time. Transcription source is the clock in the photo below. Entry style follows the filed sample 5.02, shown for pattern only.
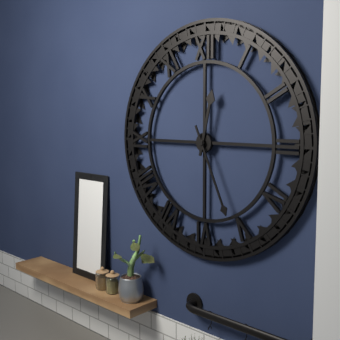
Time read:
12.26
